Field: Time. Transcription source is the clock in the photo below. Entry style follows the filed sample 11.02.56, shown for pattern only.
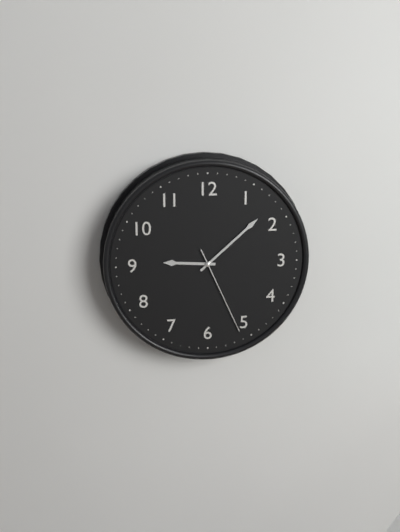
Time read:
9.08.26
